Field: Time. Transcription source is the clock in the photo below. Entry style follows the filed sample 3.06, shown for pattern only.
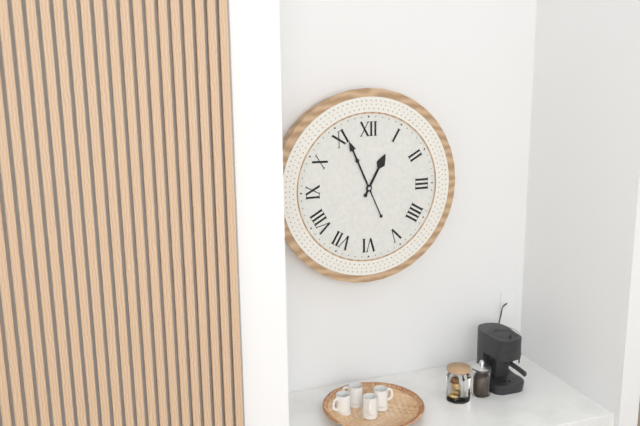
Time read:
12.56
